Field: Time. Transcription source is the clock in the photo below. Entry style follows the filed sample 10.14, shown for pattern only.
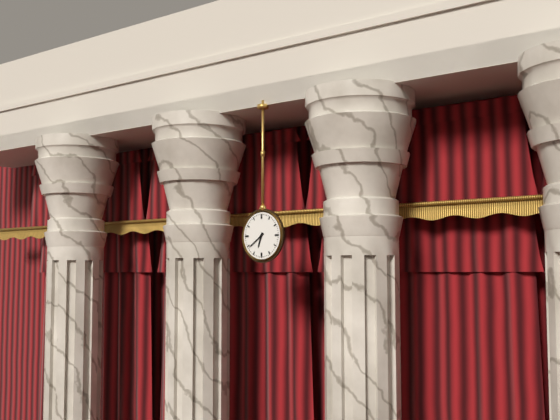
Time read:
6.39
